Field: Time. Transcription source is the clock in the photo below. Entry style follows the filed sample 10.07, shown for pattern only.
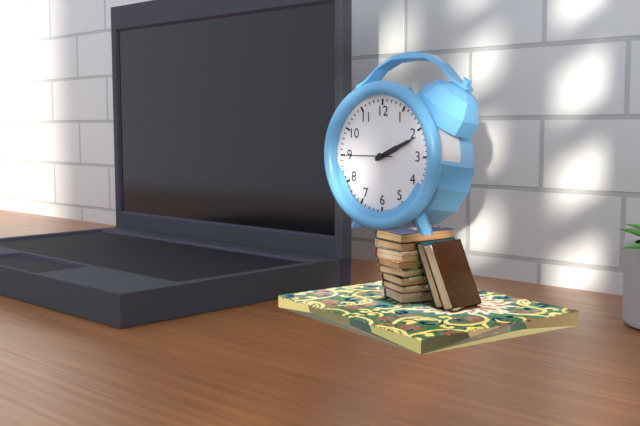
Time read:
2.11
